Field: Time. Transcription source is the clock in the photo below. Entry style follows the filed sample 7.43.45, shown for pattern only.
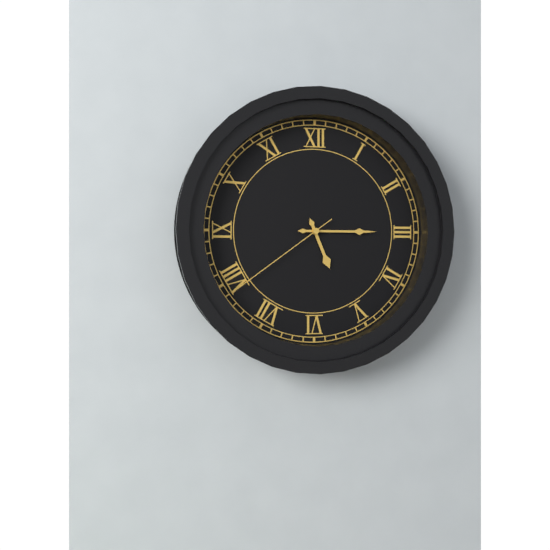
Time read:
5.15.39
